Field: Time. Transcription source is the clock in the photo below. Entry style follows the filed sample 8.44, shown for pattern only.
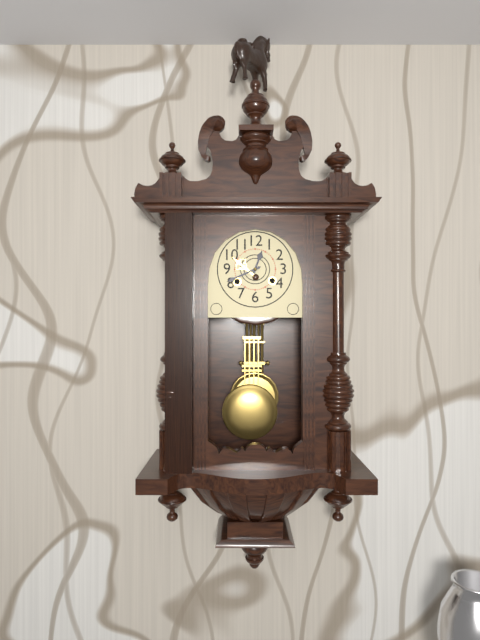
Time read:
12.41
